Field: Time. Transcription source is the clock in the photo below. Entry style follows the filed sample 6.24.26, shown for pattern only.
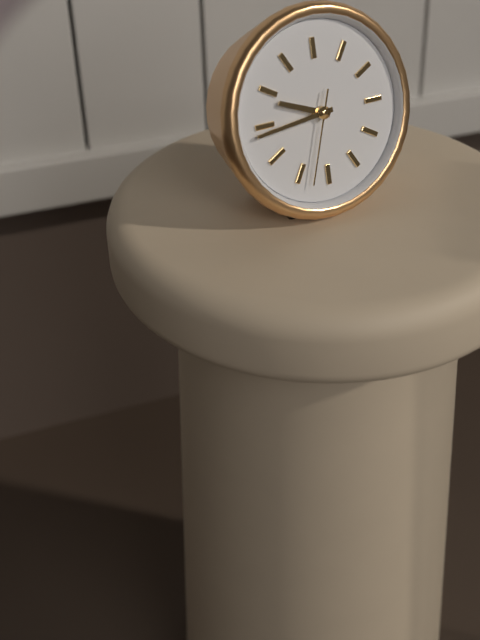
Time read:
9.44.33
